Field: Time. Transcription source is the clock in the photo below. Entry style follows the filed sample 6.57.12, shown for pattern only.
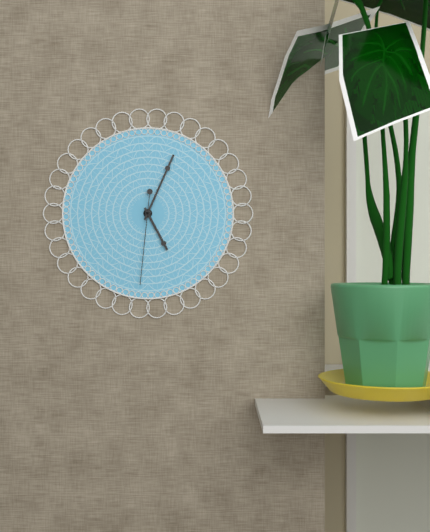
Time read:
5.04.31
